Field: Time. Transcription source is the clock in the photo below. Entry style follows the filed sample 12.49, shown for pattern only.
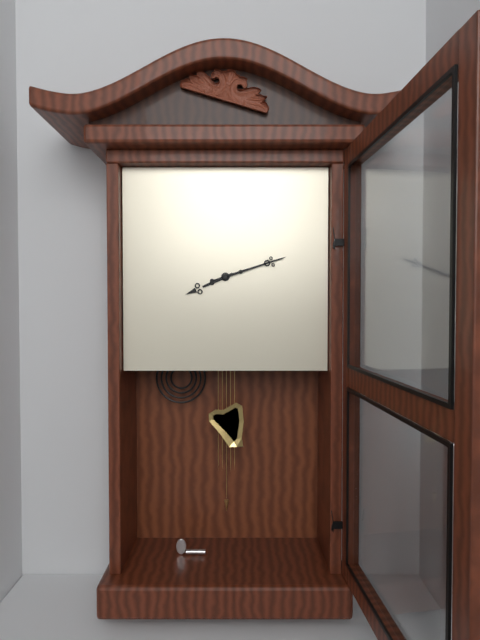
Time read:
8.12
